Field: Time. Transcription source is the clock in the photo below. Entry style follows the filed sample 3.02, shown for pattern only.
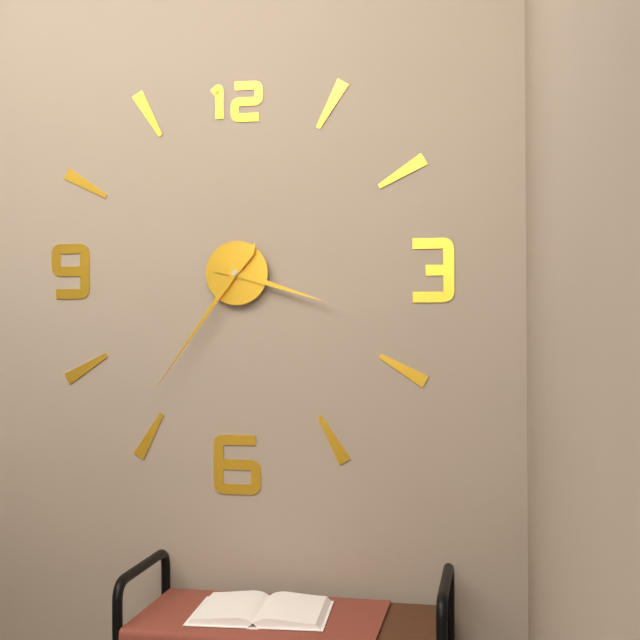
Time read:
3.36
